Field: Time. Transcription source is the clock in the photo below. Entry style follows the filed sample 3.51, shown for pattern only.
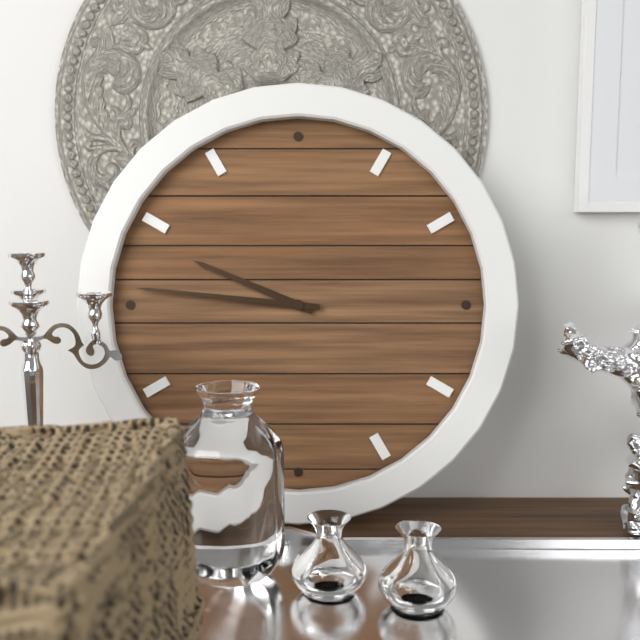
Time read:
9.46
